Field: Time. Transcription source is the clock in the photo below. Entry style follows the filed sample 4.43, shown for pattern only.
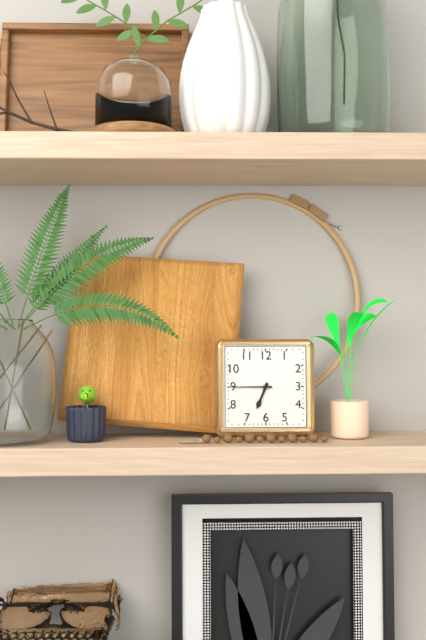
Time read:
6.45
